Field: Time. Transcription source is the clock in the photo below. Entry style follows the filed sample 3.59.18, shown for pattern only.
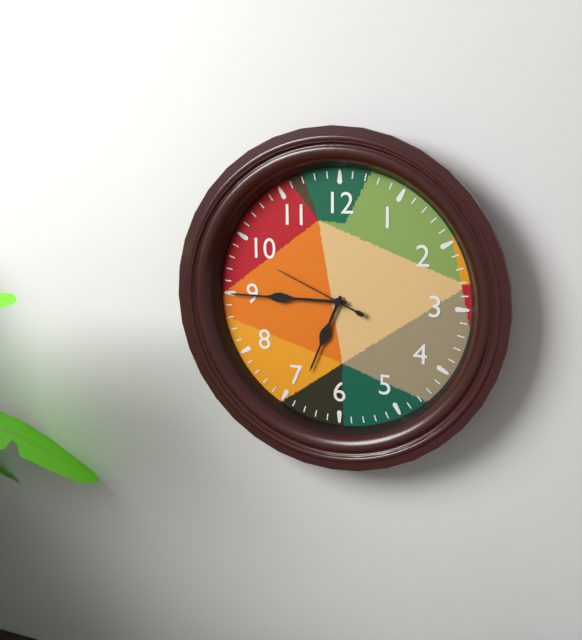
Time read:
6.45.49
